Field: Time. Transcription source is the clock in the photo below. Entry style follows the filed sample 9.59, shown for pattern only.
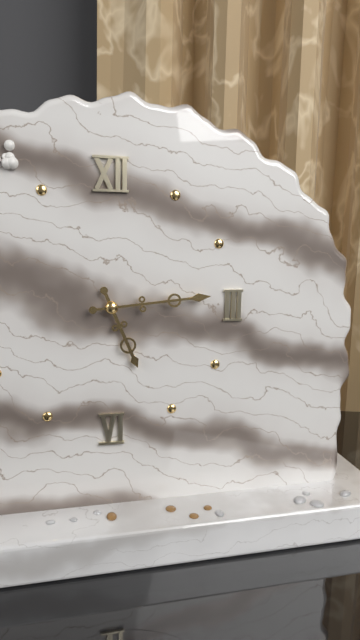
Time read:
5.14
